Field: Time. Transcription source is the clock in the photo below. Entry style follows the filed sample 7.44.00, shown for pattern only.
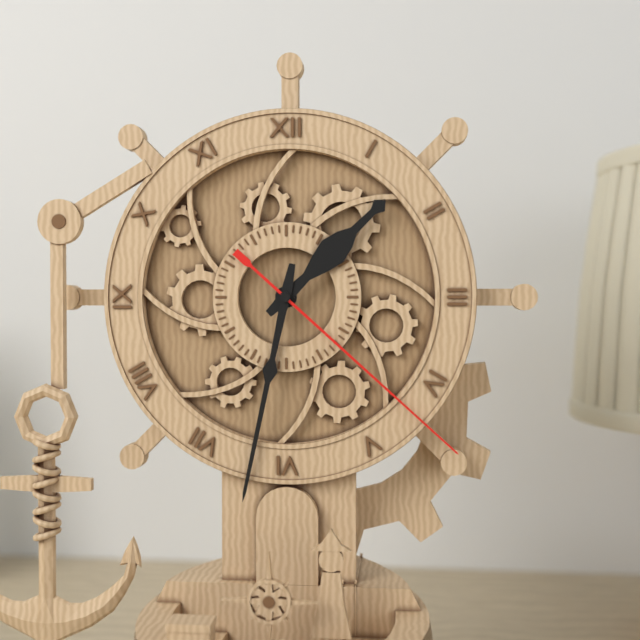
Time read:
1.32.22
